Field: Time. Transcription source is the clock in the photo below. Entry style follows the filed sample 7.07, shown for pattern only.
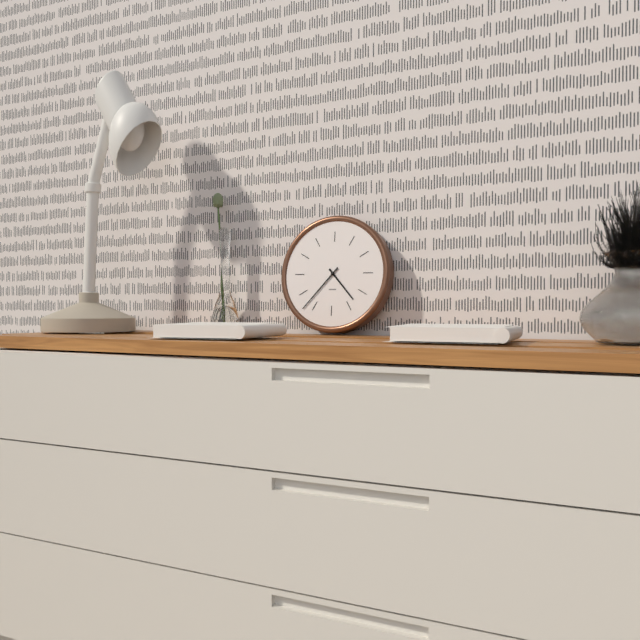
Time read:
4.37
